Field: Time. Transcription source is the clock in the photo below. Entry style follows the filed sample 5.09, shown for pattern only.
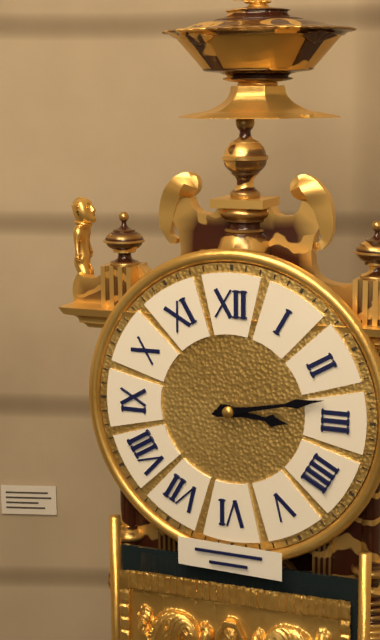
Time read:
3.13
